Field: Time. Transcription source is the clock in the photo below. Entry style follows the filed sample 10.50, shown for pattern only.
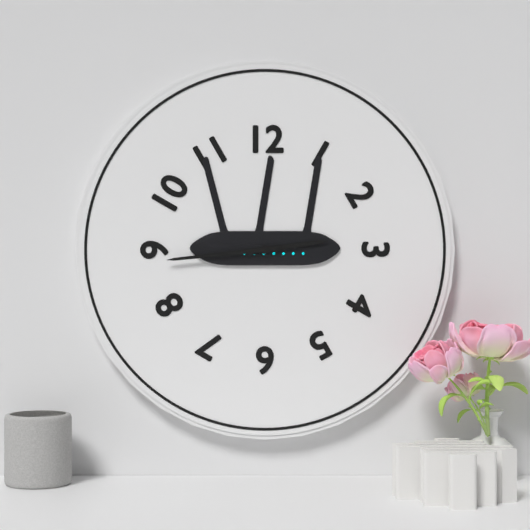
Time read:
2.44
